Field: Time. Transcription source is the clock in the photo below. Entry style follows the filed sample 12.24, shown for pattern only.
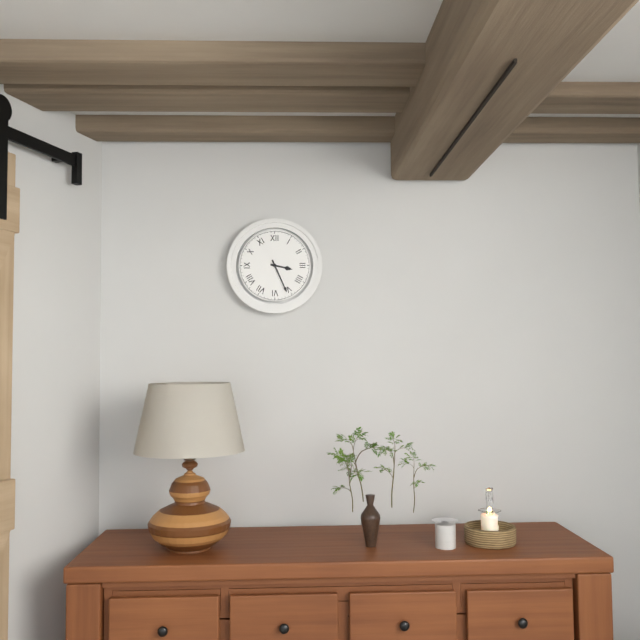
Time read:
3.26
